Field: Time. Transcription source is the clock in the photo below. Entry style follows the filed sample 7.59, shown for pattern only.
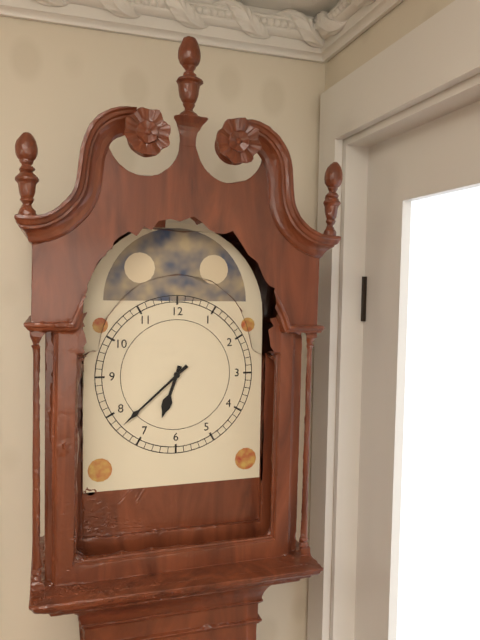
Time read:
6.38
